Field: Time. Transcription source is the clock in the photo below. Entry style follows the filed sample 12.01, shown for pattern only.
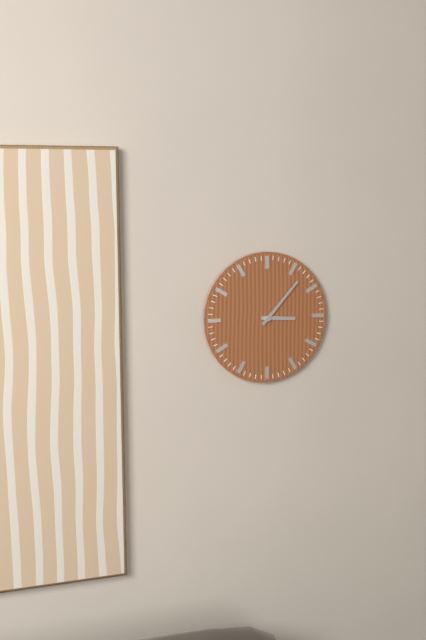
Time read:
3.07
